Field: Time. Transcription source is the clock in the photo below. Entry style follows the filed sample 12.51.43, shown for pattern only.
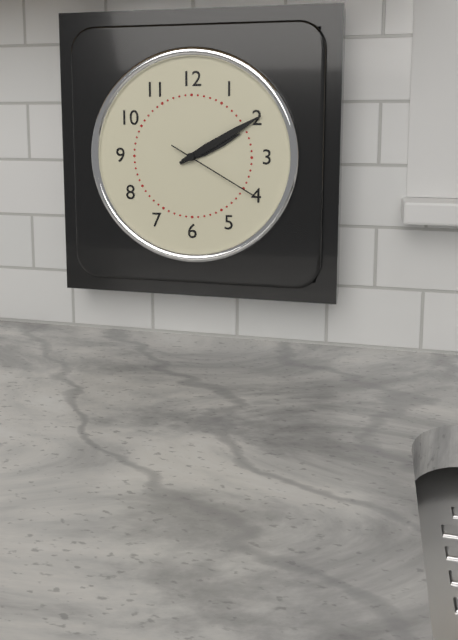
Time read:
2.10.20
